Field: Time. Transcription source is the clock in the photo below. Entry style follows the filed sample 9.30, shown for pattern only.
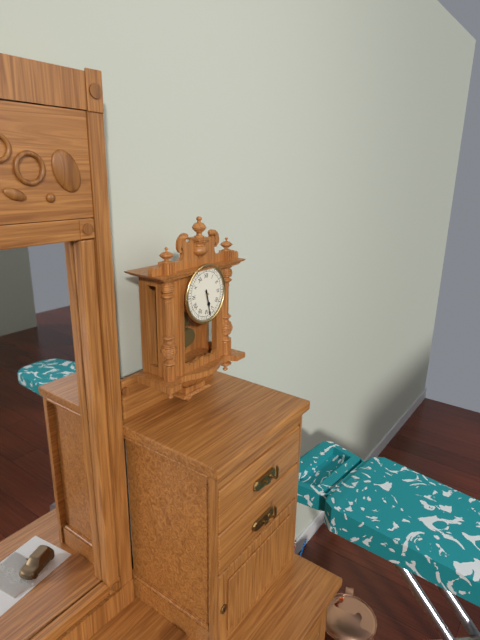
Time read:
5.28
